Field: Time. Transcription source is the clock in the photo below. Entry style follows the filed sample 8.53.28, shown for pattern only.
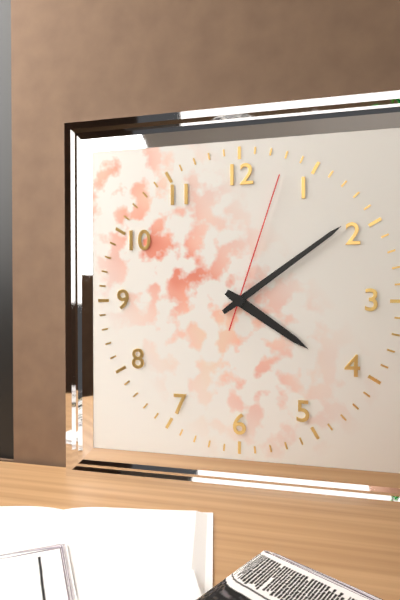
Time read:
4.09.03
